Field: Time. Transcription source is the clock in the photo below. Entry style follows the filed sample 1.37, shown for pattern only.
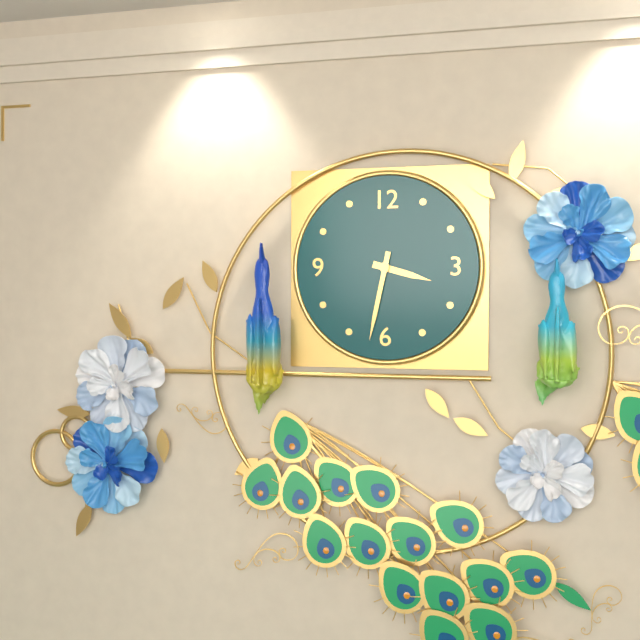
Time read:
3.32
